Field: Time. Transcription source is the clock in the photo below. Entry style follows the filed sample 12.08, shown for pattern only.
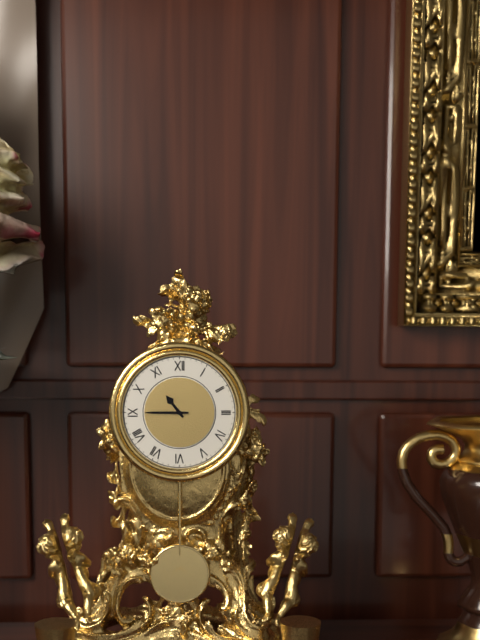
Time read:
10.45
